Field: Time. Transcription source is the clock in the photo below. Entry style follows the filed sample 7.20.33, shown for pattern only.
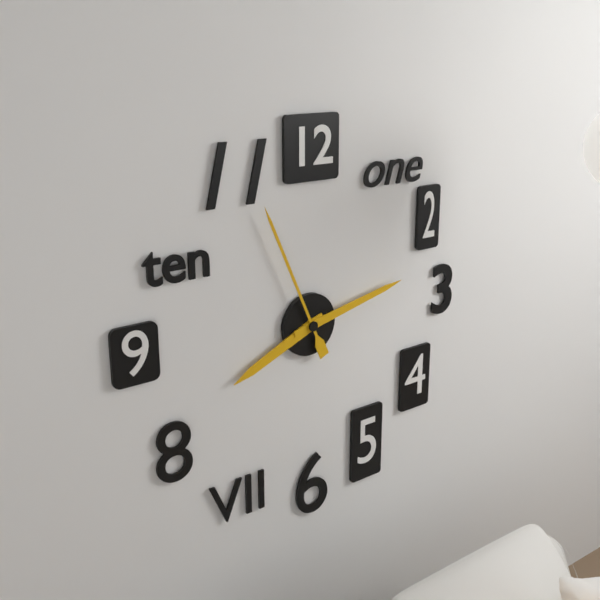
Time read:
8.13.56
